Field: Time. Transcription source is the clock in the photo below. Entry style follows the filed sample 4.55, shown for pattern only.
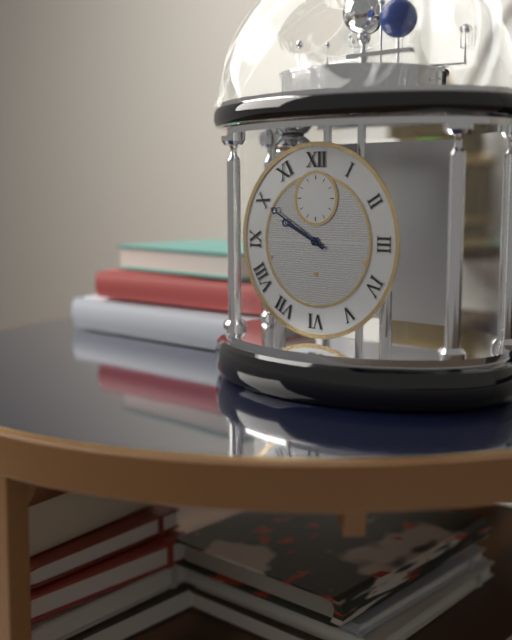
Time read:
9.50
